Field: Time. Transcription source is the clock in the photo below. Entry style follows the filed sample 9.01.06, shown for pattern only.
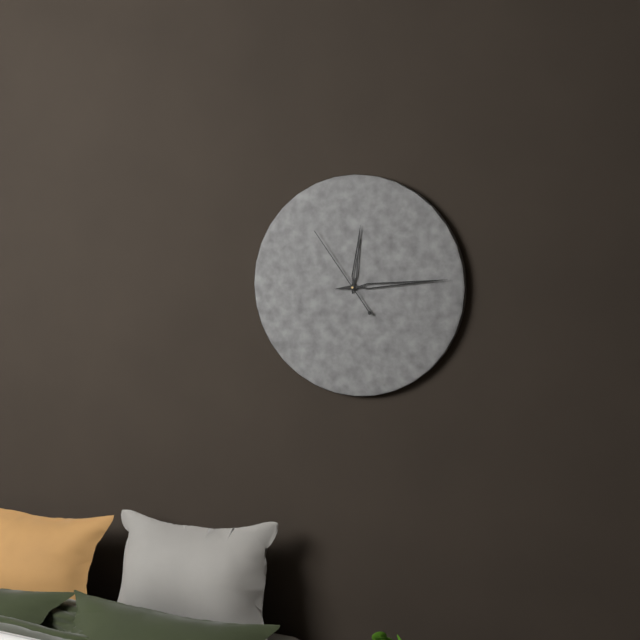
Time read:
12.14.54
